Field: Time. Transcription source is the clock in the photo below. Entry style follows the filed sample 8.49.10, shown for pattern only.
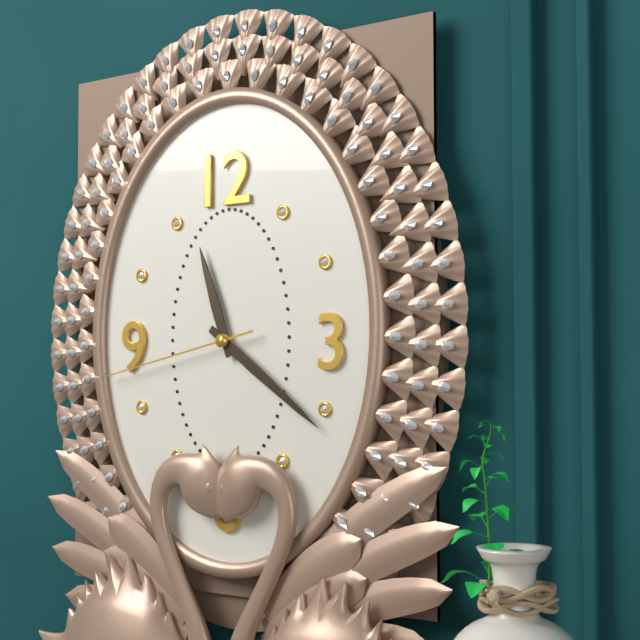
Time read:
11.21.43
